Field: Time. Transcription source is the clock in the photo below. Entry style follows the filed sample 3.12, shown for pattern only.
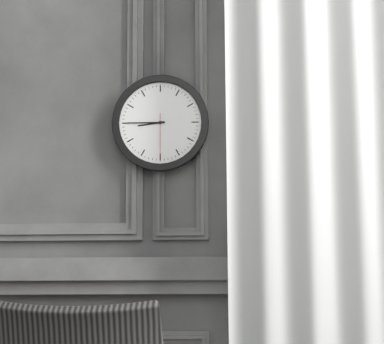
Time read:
8.45
